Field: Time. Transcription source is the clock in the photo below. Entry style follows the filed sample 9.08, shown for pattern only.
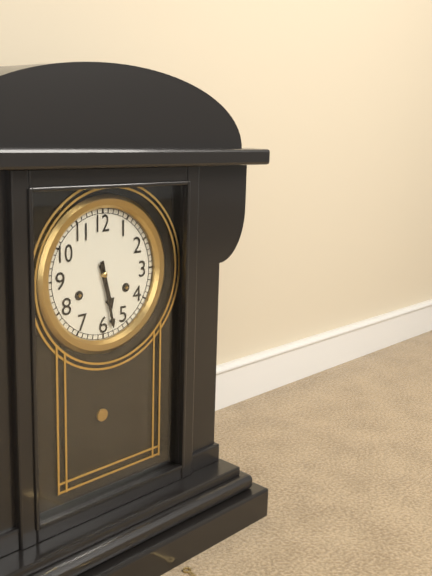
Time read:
5.28
